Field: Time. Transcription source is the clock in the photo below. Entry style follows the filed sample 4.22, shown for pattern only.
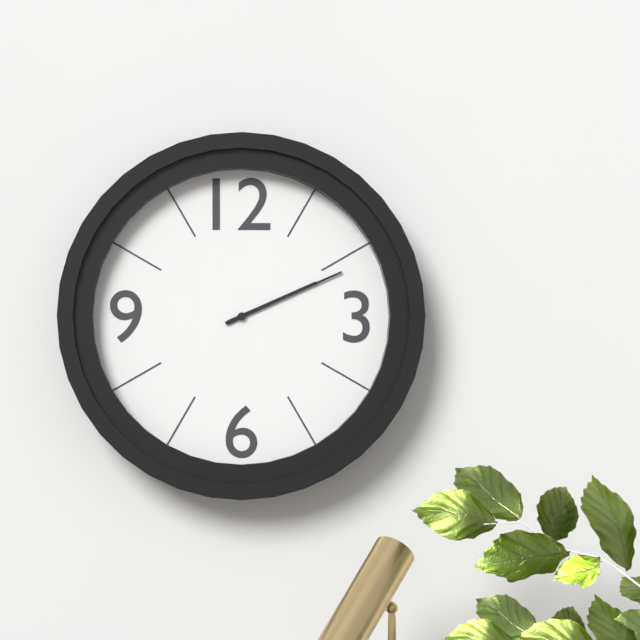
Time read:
2.11
